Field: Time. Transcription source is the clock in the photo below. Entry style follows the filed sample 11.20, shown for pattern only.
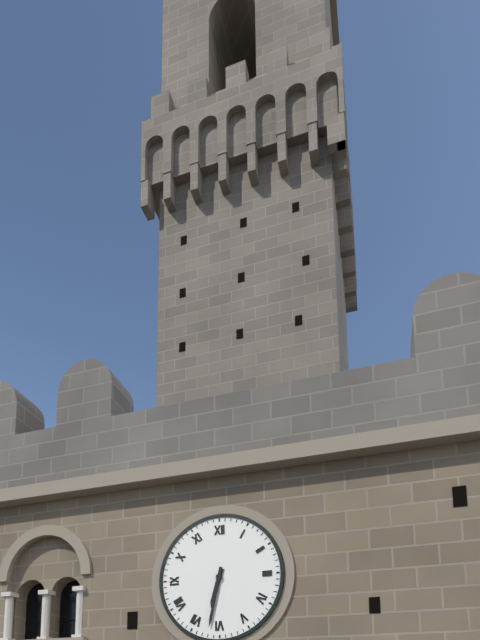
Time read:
6.32
